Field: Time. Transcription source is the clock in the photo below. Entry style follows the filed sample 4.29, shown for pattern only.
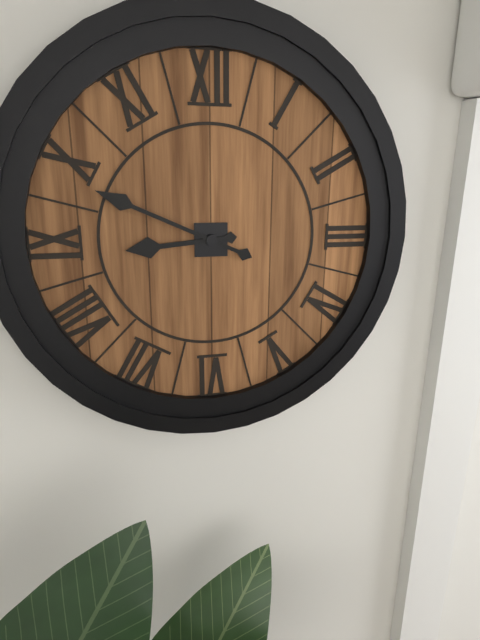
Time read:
8.49
